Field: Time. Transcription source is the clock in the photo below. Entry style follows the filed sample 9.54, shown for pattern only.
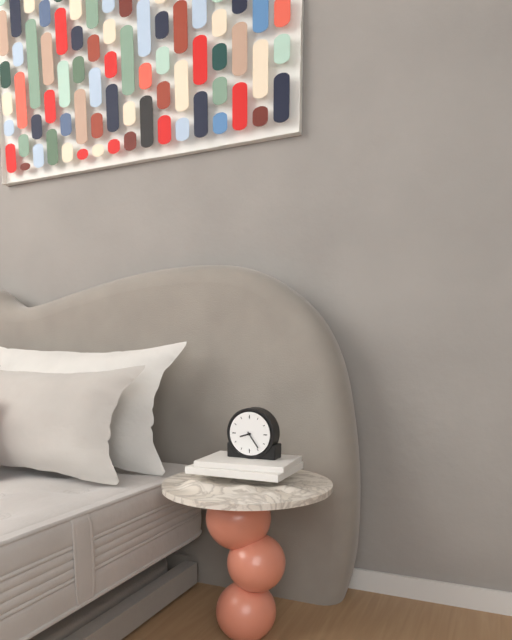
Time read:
8.24
